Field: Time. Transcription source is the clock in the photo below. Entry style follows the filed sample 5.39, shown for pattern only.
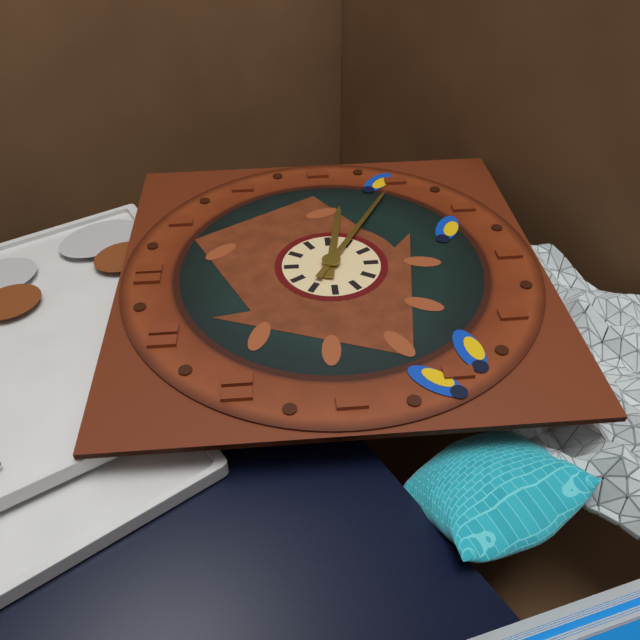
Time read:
3.20
